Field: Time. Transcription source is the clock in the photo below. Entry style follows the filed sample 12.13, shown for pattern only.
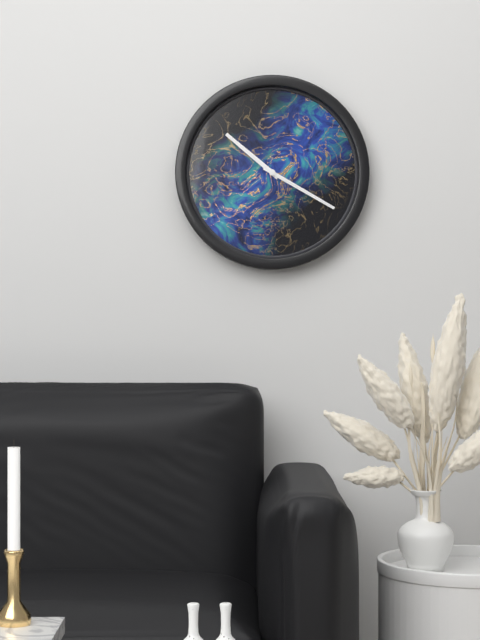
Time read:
10.20
